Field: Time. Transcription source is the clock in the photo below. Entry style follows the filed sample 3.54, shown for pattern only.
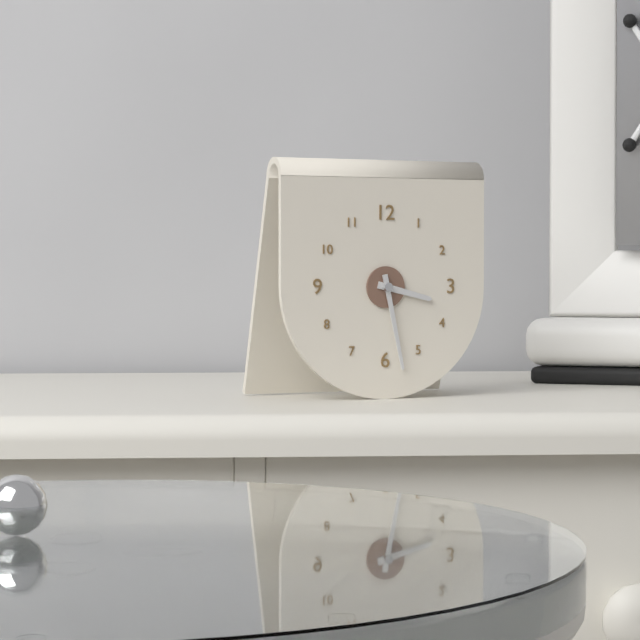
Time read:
3.28
